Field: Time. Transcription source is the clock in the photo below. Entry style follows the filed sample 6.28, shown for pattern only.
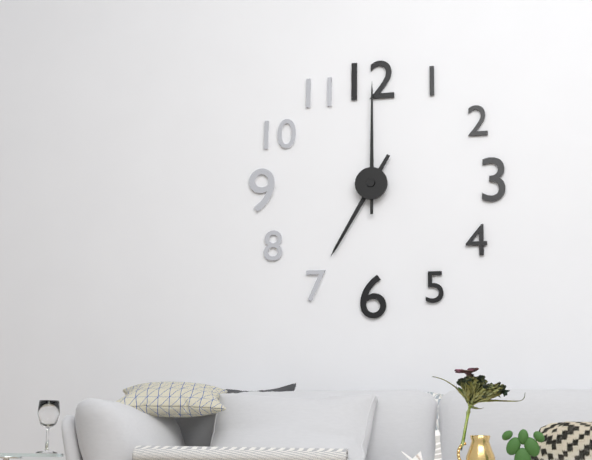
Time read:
7.00
